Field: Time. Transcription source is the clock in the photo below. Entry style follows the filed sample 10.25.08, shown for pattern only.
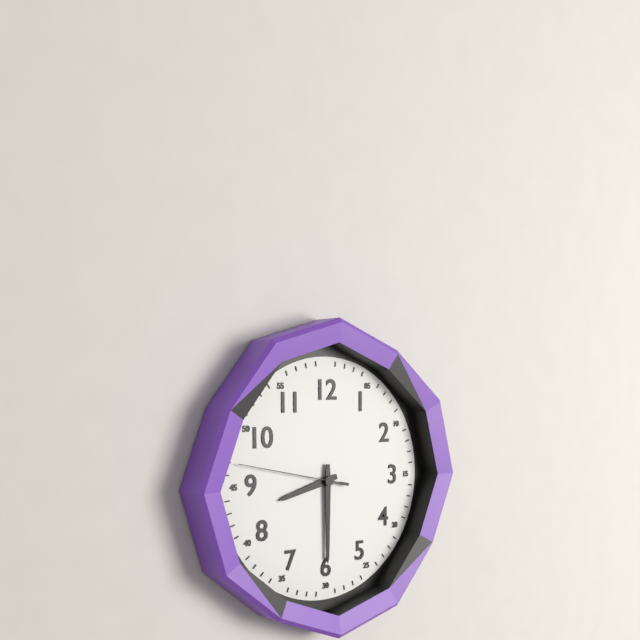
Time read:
8.30.47
